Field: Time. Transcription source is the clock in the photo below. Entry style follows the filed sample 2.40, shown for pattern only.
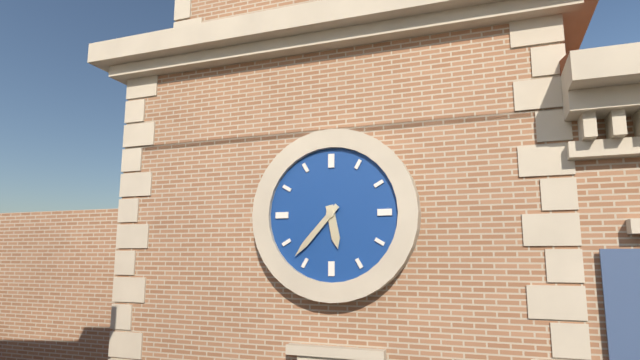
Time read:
5.37
